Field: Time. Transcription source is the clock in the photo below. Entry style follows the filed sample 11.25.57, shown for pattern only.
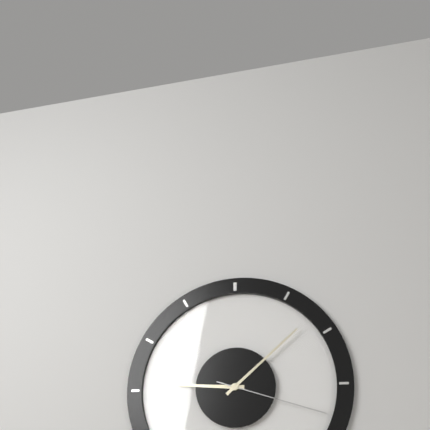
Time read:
9.08.18
